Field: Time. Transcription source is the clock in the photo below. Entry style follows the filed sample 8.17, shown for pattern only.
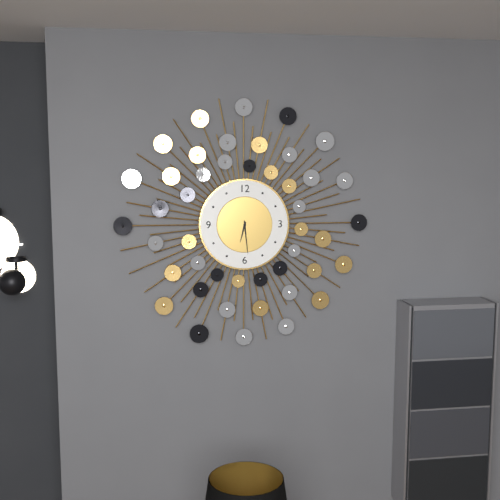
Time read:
6.29
